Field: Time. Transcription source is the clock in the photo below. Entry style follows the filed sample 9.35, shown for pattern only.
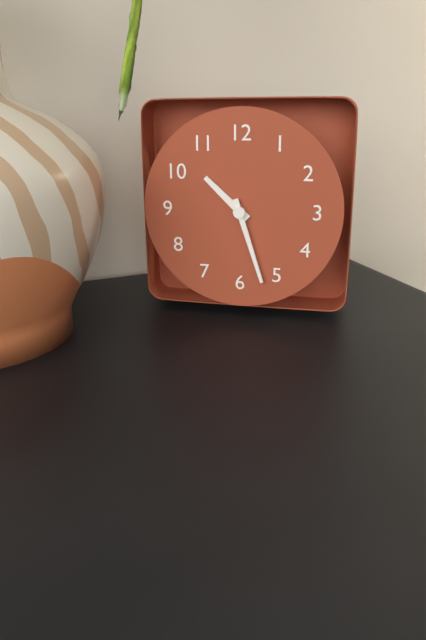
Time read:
10.27
